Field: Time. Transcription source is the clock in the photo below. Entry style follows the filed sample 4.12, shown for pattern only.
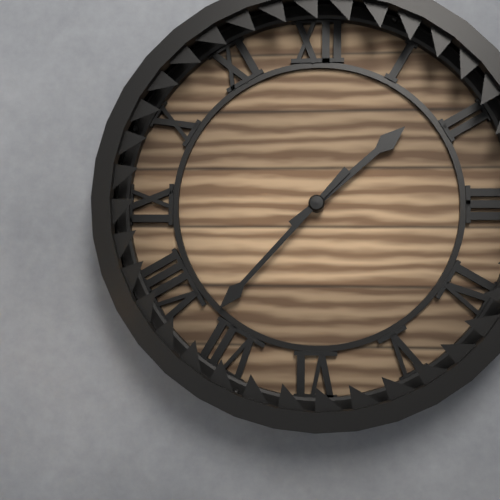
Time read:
1.37
